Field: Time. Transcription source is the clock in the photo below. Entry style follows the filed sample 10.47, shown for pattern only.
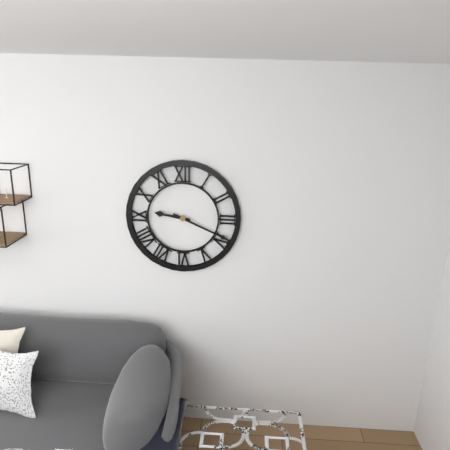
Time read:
9.19
